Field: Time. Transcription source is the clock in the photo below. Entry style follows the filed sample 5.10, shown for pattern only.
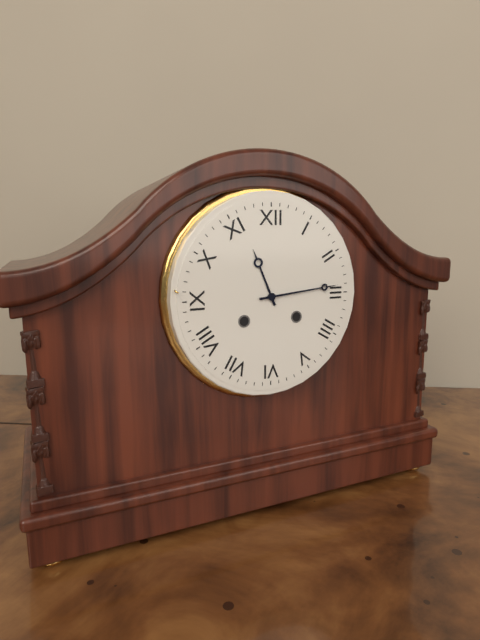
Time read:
11.14
